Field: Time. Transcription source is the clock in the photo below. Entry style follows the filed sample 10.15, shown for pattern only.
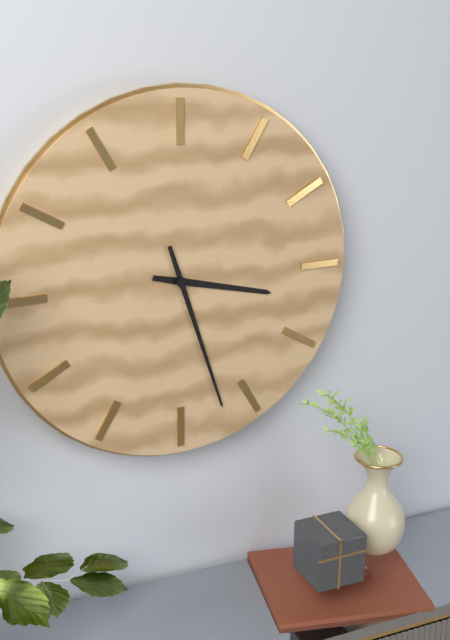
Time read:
3.27
